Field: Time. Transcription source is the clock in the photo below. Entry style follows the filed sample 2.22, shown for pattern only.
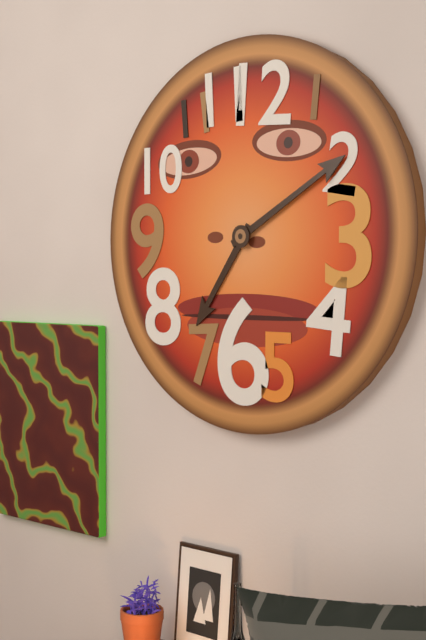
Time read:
7.10
